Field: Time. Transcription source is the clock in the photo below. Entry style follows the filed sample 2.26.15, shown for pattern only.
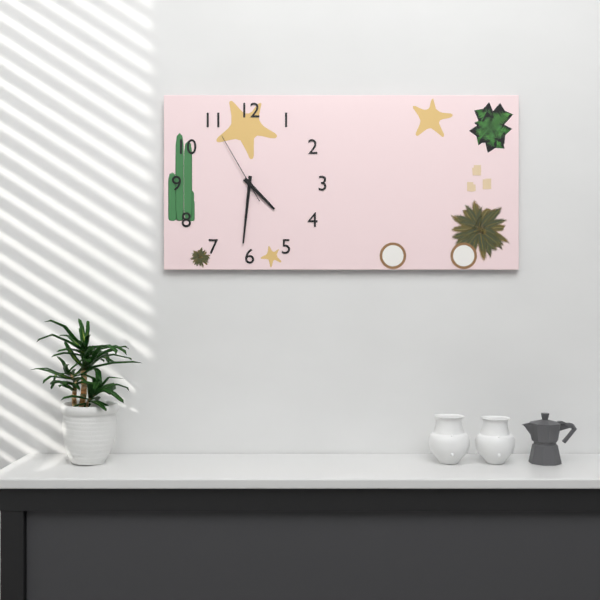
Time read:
4.31.55
